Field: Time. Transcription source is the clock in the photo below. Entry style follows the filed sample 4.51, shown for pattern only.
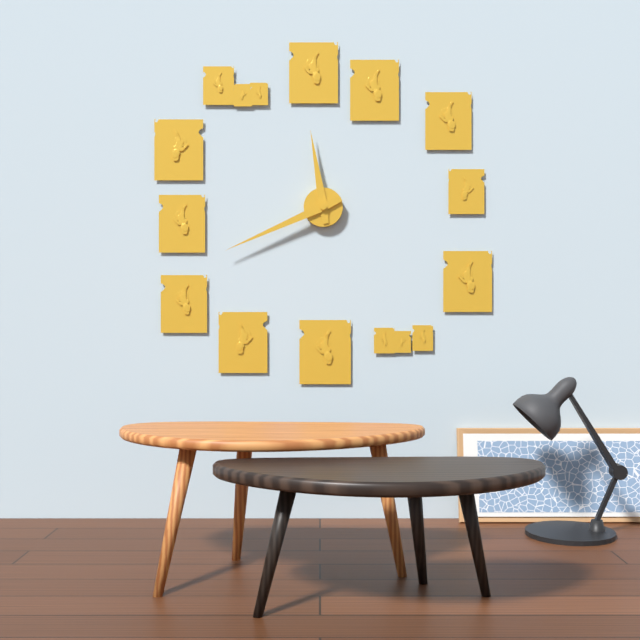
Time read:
11.41
